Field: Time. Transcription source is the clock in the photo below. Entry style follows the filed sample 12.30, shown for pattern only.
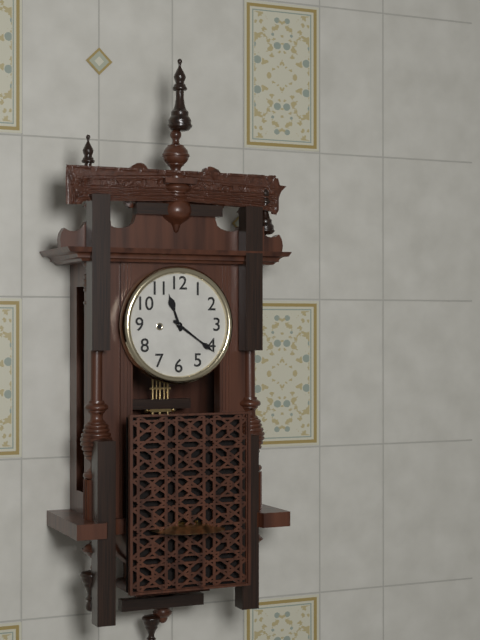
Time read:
11.21
